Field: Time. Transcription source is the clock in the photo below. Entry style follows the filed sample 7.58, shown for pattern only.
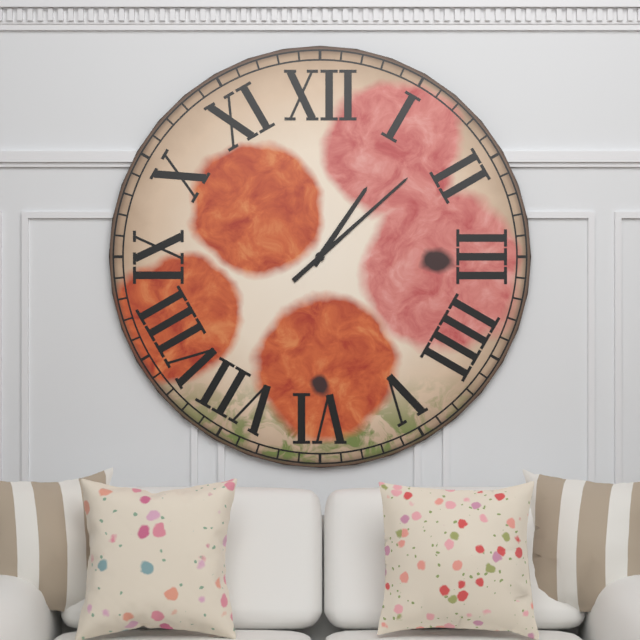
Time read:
1.08
